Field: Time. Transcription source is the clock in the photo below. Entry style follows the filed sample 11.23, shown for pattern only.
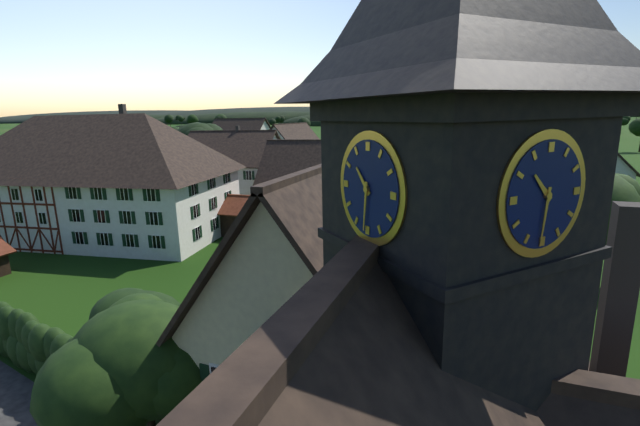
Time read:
10.31
